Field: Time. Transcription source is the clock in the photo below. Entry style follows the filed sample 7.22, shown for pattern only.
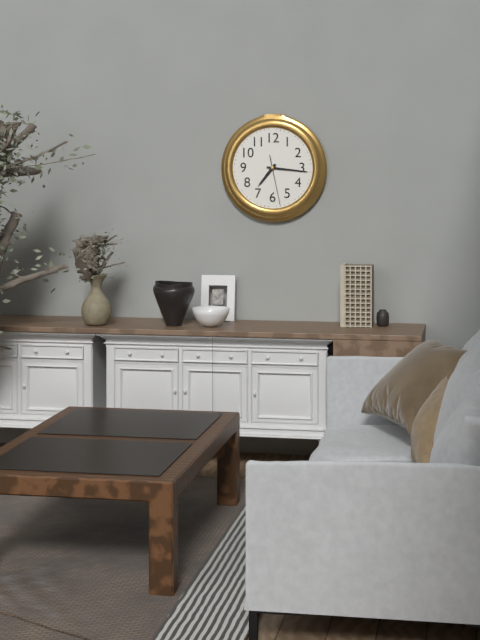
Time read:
7.16
